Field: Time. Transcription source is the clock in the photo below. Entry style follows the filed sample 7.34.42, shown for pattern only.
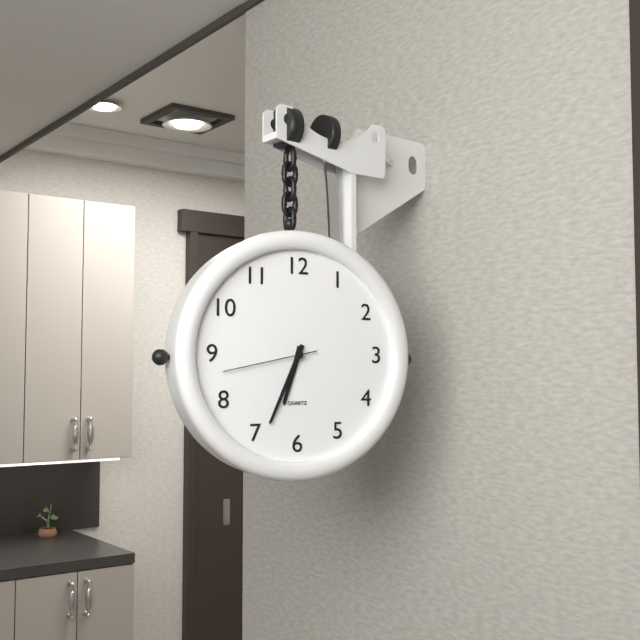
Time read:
6.34.43
